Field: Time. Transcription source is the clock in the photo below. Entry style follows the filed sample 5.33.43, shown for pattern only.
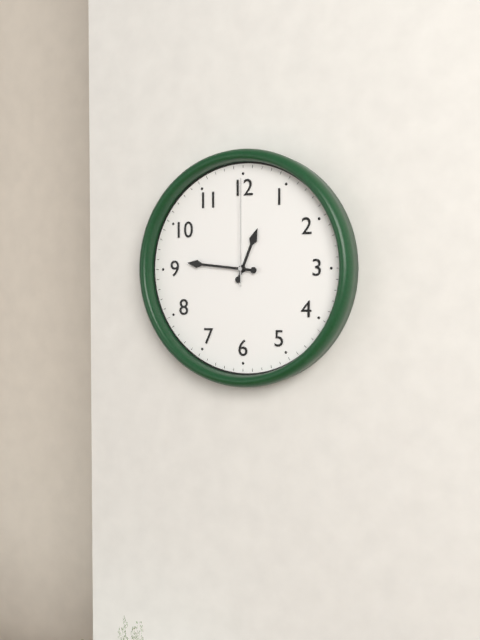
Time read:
12.46.00
